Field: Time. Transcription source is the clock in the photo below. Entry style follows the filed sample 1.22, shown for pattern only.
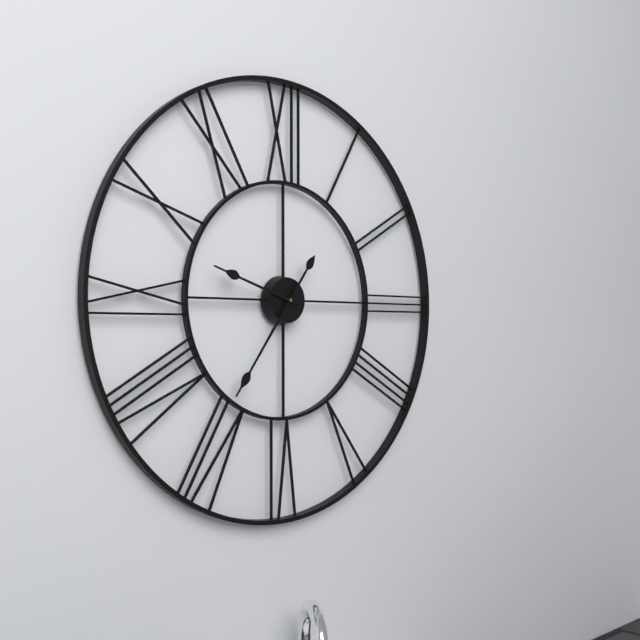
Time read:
9.36
